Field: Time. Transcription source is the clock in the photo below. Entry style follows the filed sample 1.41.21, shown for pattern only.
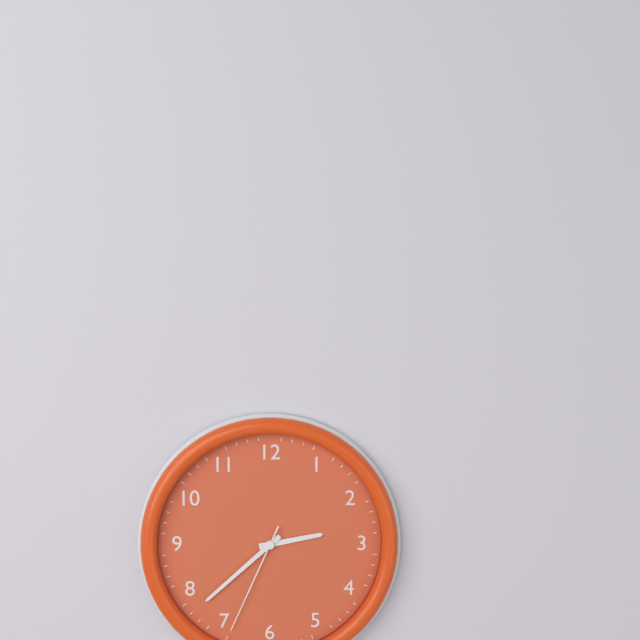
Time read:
2.38.34
